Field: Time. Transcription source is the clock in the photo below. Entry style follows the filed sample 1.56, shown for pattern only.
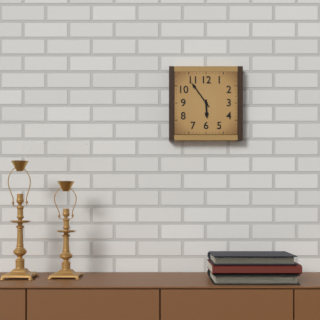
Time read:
5.54
